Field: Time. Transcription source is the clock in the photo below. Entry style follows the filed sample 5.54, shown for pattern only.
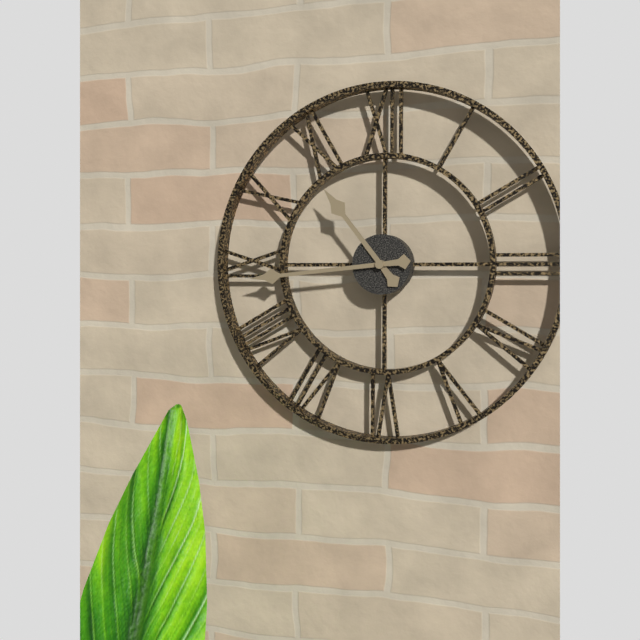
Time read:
10.44
